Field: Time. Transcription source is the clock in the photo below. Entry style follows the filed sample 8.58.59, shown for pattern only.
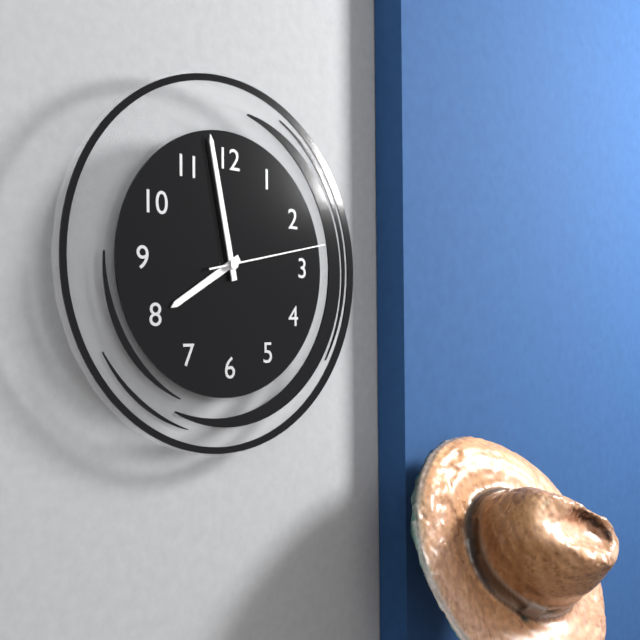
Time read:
7.58.13
